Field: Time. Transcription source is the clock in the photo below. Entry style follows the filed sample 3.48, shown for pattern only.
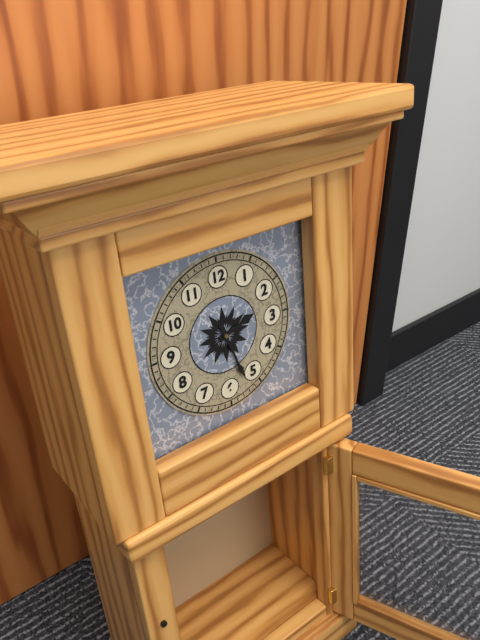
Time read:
2.27
